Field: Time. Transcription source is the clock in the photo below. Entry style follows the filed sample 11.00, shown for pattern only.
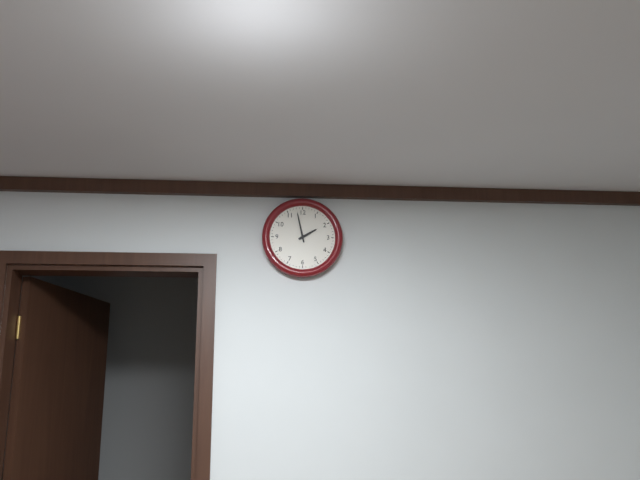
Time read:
1.58
